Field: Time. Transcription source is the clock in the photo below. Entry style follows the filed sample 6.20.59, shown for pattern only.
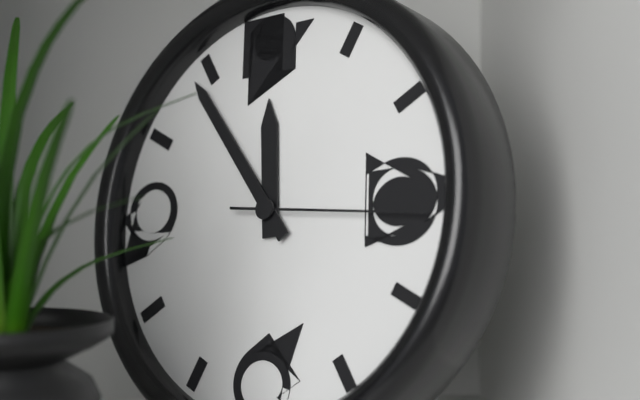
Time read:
11.54.16
